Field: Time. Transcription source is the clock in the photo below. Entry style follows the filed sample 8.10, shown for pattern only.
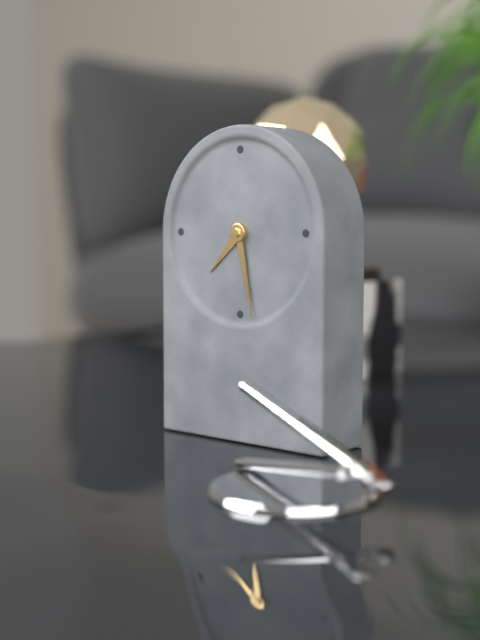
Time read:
7.28
